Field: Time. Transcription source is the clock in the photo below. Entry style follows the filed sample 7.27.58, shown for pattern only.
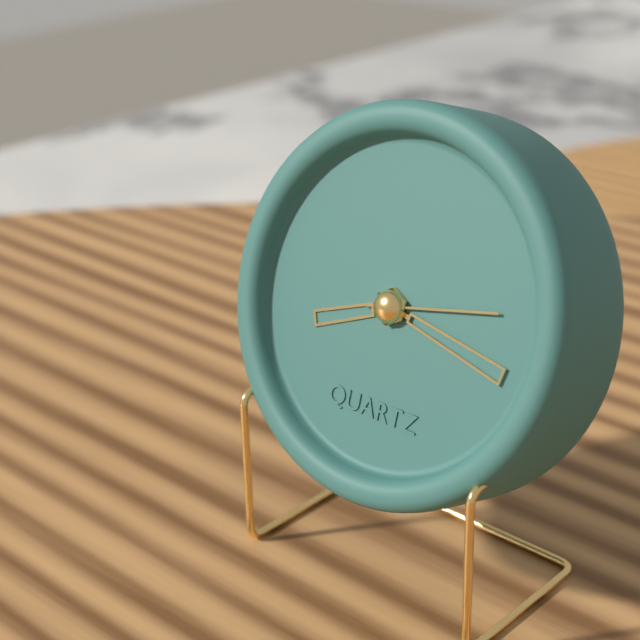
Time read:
8.17.13
